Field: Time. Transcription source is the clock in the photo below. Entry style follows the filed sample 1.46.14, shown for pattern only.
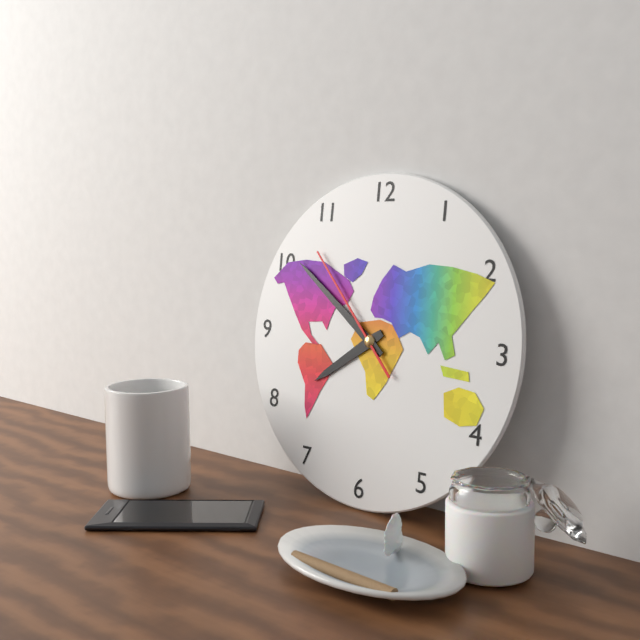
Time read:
7.51.53
